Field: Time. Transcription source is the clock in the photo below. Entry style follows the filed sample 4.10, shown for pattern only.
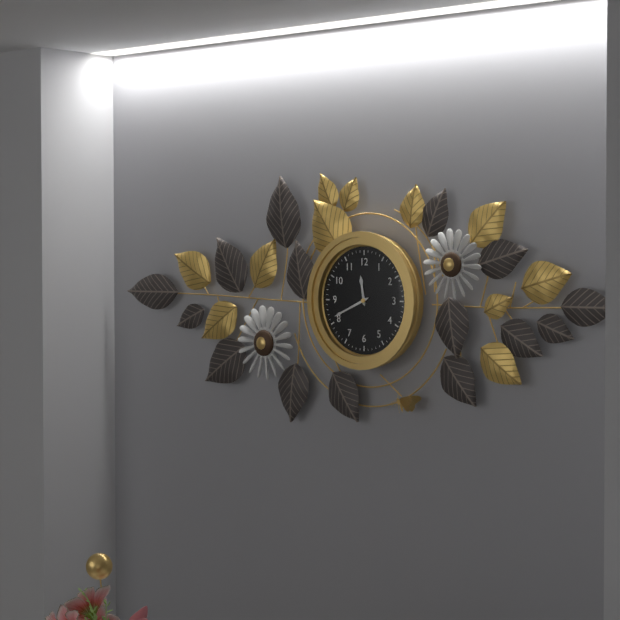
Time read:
11.41
